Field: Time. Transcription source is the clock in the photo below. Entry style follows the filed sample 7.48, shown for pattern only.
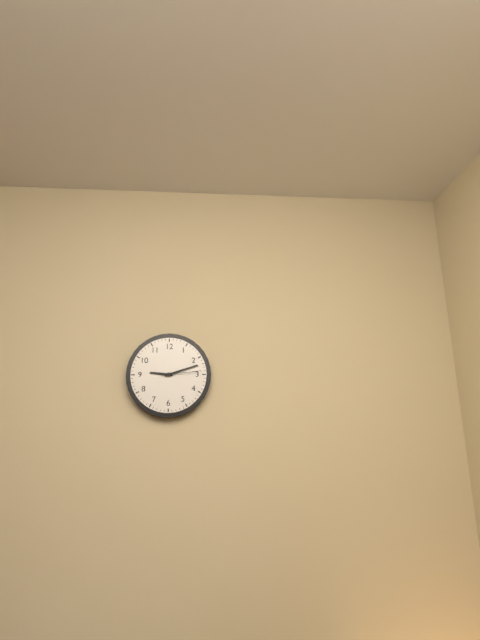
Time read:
9.12
